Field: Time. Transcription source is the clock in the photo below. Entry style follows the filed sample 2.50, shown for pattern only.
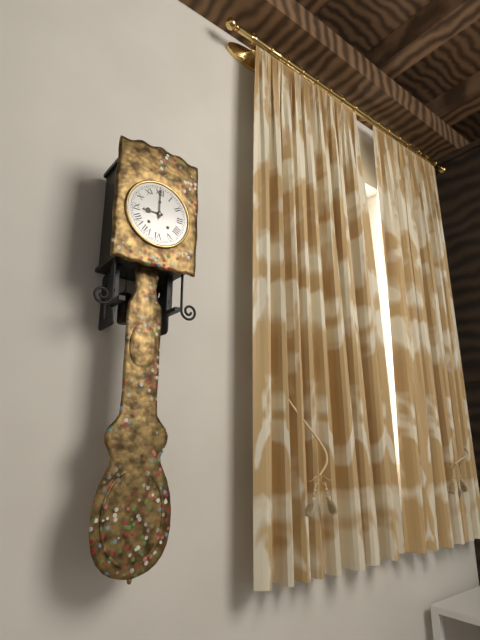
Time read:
9.00
